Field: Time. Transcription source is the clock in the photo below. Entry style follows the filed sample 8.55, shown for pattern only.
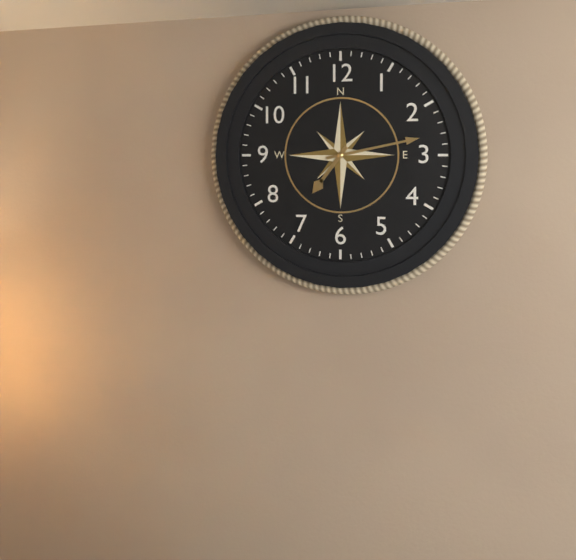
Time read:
7.13
